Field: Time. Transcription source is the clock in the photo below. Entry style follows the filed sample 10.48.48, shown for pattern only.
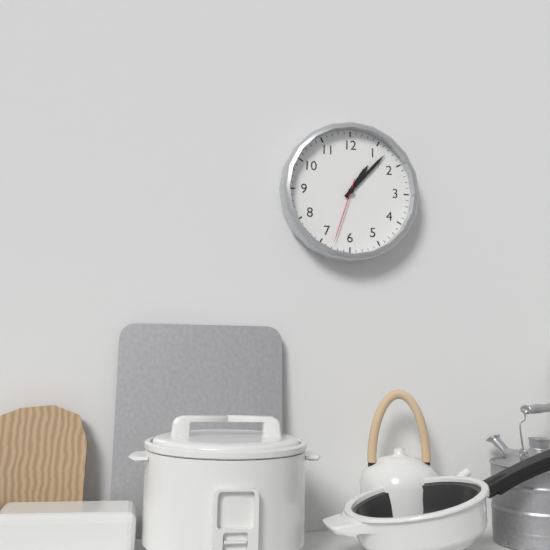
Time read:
1.07.33
